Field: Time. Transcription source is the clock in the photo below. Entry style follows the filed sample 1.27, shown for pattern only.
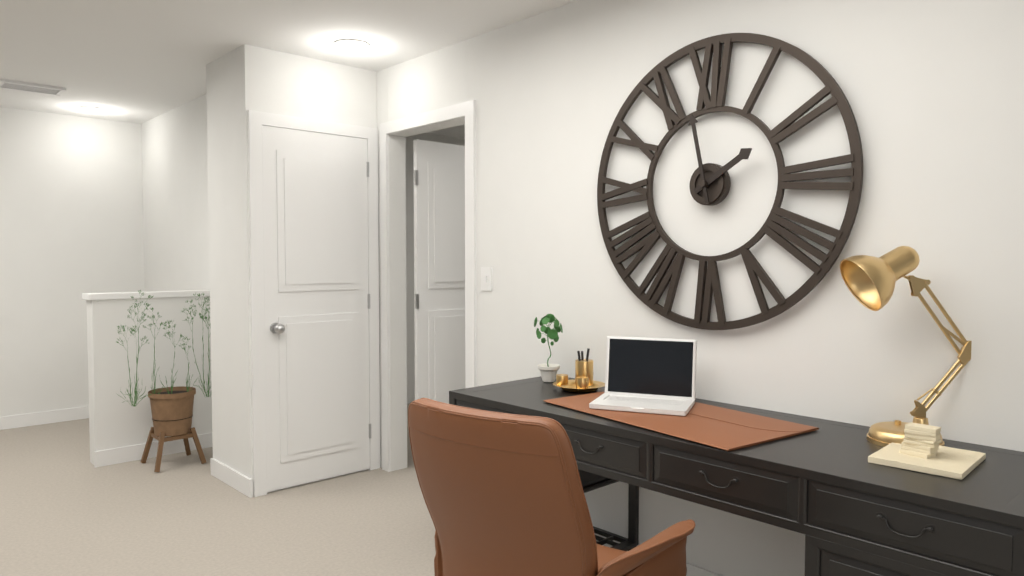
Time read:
1.58
